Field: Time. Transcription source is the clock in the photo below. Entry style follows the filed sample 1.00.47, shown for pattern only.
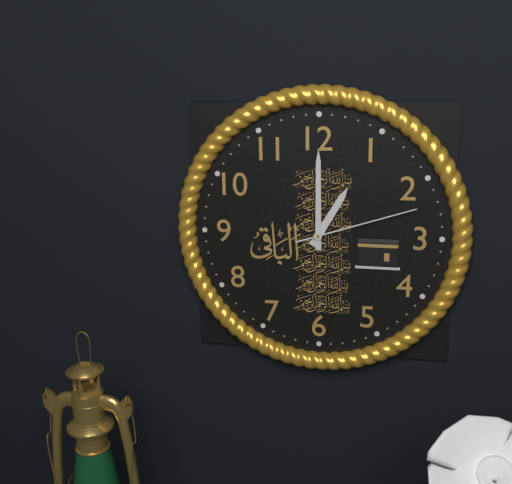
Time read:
1.00.12
